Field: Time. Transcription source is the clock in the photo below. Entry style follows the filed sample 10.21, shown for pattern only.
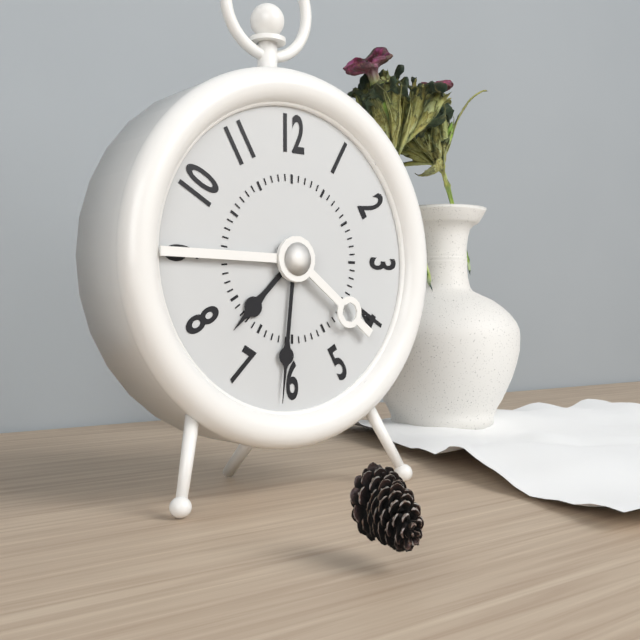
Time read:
7.31
